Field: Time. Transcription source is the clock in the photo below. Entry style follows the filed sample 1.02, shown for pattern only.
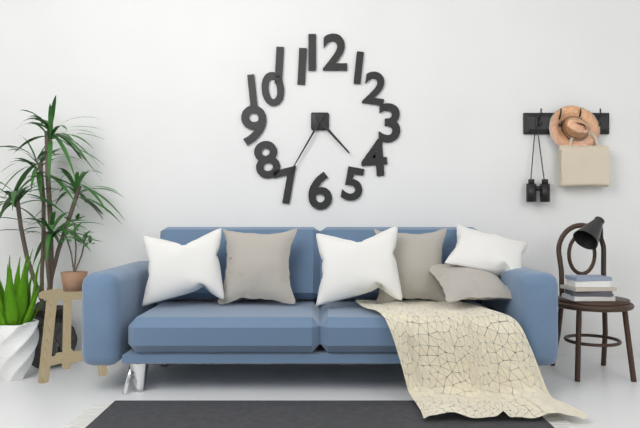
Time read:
4.35
